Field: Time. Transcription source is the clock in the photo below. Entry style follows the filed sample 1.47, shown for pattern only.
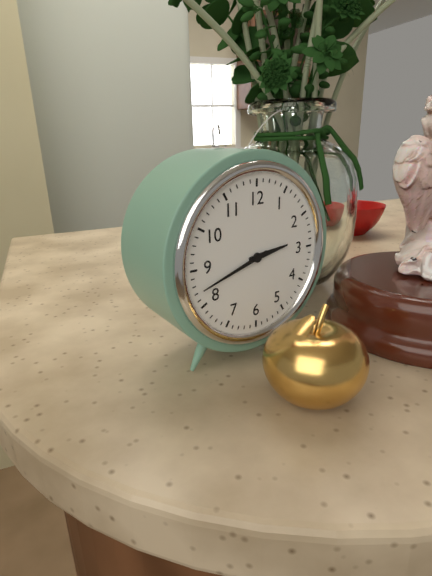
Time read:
2.42
